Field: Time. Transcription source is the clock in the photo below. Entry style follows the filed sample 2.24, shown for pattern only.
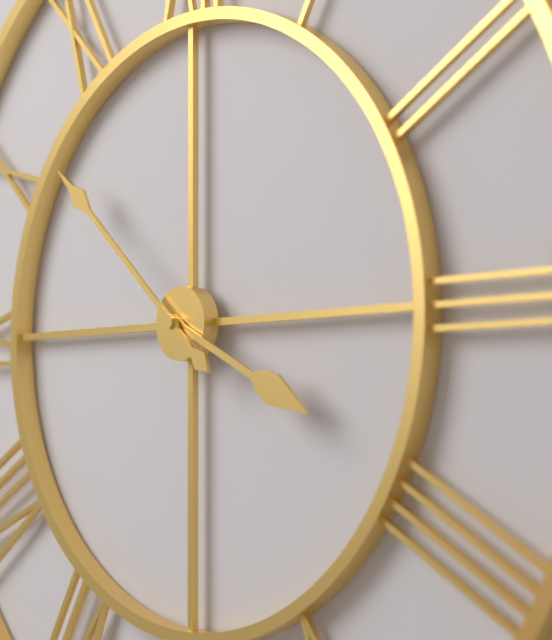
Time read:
3.52
